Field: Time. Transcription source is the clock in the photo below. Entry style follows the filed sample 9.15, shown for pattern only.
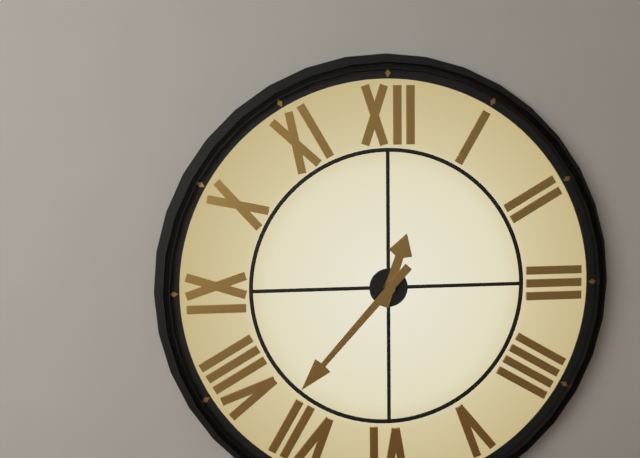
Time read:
12.37
